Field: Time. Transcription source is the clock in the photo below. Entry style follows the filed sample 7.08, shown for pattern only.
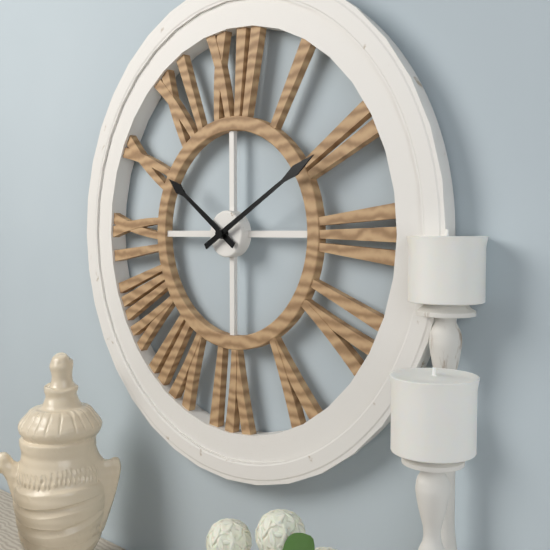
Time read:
10.10
